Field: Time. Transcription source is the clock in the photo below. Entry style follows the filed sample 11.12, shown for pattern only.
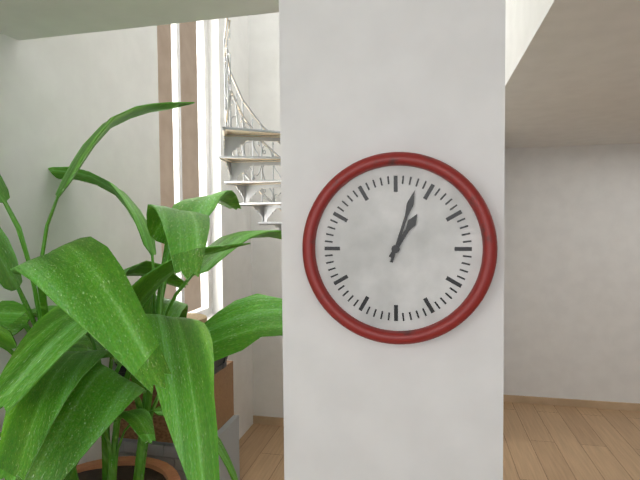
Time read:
1.03
